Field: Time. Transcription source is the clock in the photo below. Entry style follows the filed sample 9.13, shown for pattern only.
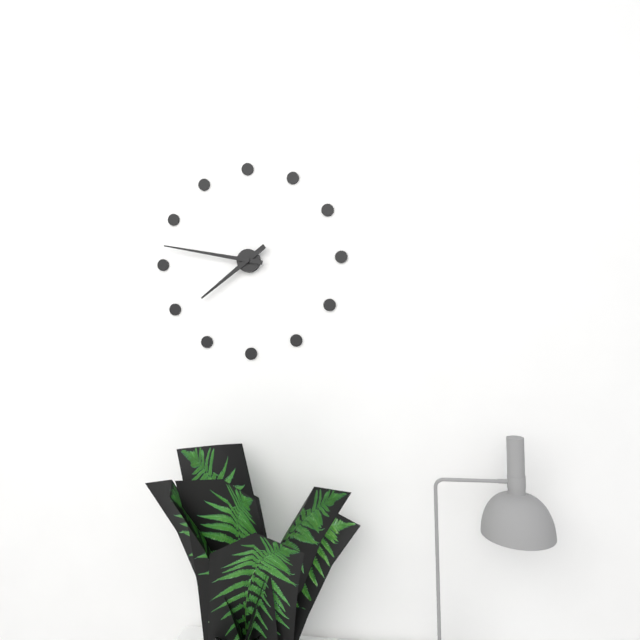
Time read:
7.47
